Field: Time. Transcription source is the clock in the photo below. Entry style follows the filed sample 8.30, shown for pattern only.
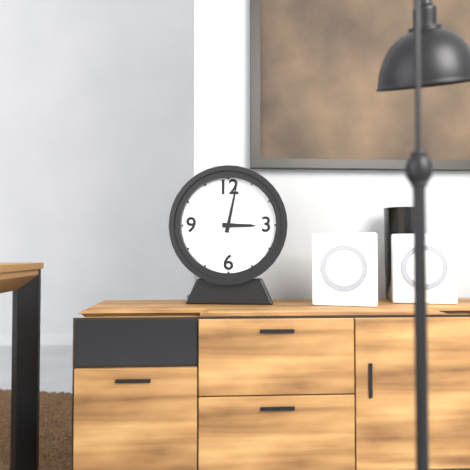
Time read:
3.02
